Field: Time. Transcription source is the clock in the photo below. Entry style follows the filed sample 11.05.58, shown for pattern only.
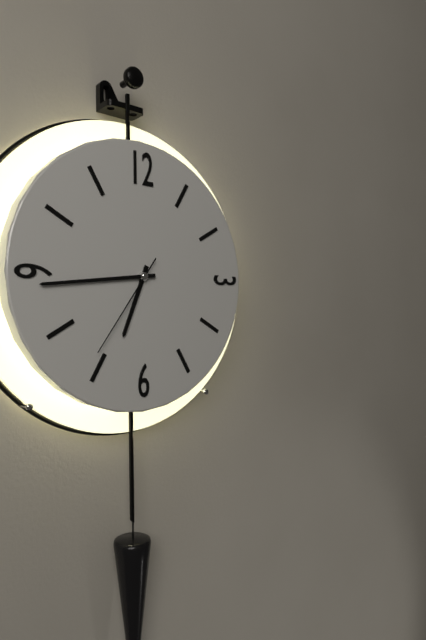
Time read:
6.44.36
